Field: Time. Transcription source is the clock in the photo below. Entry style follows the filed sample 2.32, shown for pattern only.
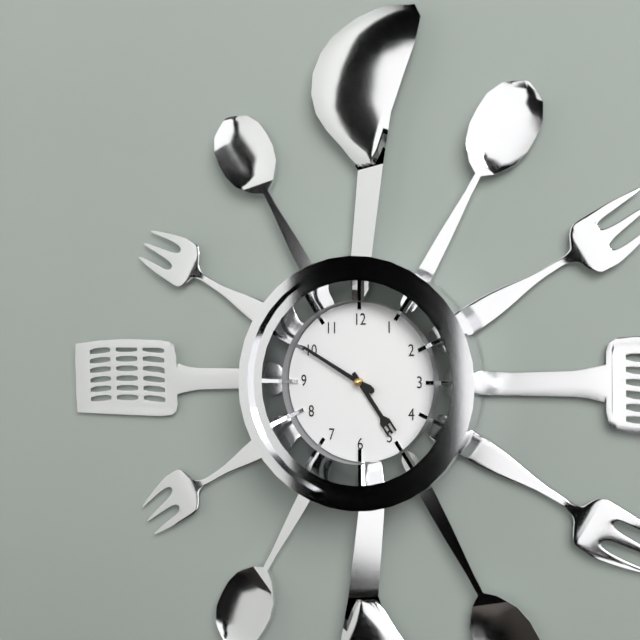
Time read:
4.50
